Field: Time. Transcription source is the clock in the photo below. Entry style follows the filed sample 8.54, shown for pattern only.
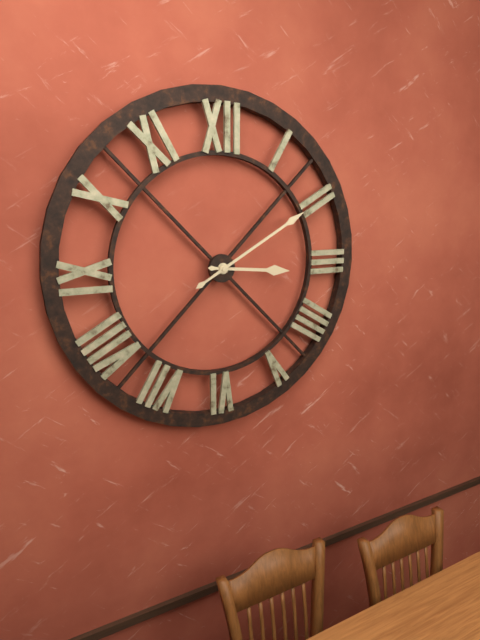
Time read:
3.10
